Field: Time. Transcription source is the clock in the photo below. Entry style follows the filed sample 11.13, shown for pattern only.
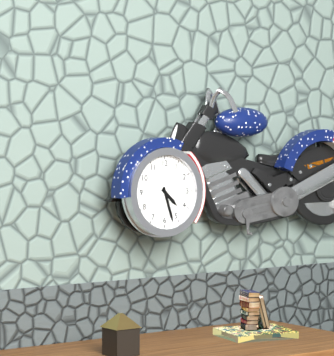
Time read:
4.27
